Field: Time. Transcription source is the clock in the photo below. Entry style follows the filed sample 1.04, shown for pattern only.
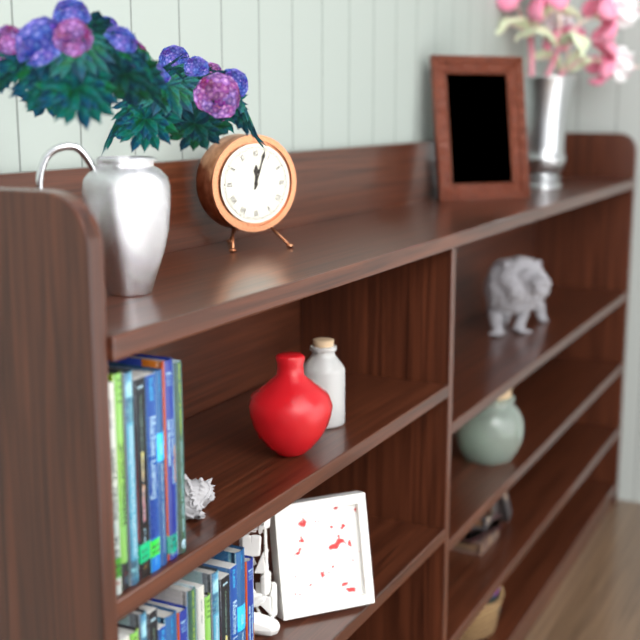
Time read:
12.03
